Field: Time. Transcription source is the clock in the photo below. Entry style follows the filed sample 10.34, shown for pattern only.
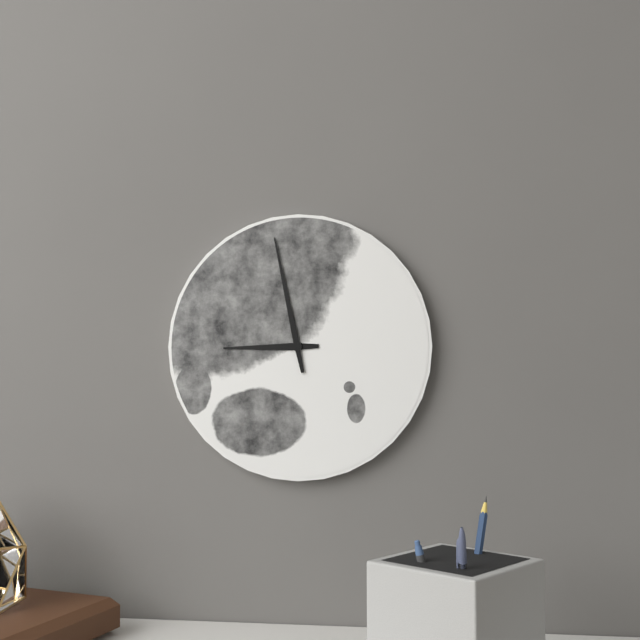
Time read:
8.58
